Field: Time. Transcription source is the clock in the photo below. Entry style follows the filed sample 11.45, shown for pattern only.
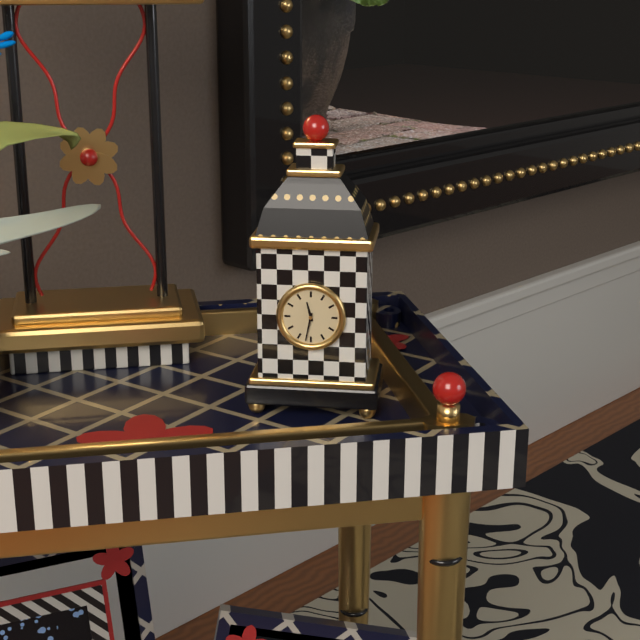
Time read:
11.32
